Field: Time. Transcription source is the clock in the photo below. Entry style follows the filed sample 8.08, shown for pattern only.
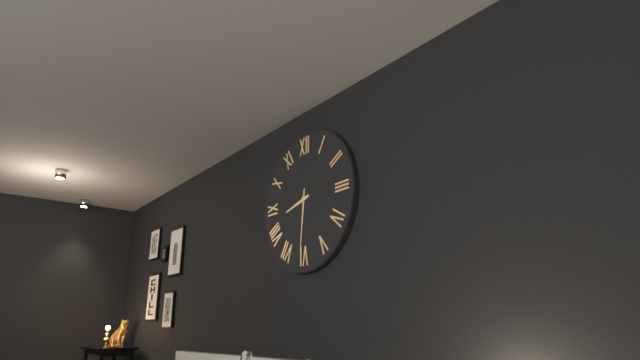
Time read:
8.31
